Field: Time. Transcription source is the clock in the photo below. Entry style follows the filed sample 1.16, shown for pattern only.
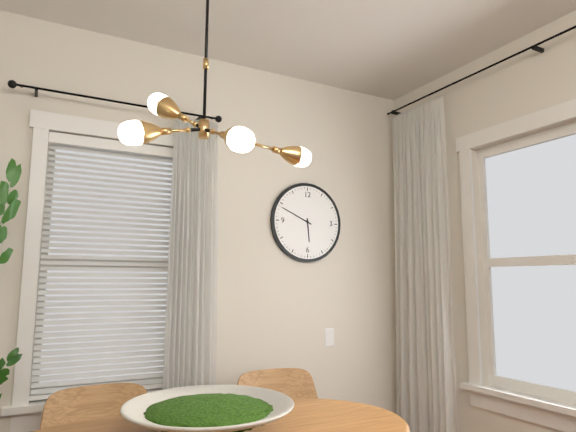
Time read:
5.49
